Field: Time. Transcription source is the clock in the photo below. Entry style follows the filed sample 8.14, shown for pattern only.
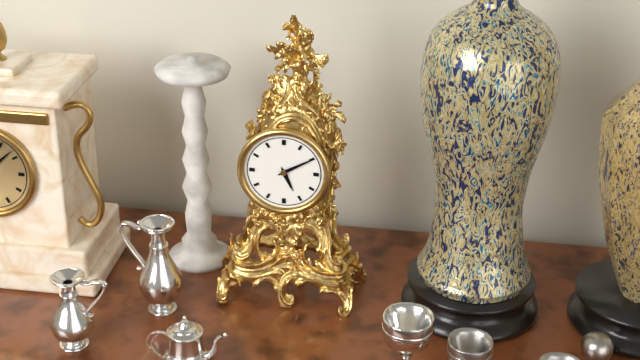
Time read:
5.10
